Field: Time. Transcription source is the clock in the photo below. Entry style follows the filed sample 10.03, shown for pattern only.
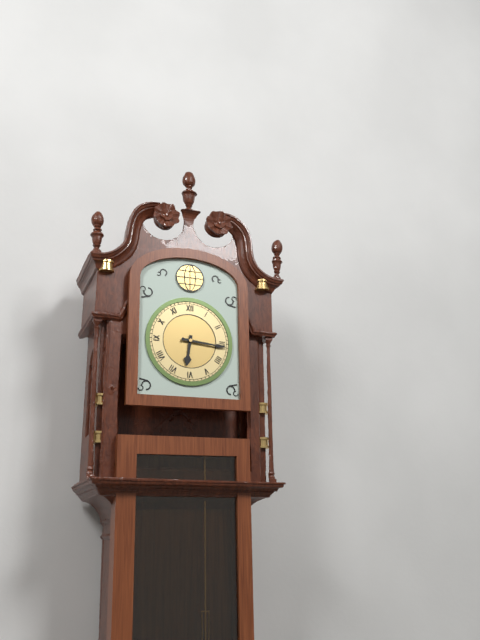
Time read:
6.16
